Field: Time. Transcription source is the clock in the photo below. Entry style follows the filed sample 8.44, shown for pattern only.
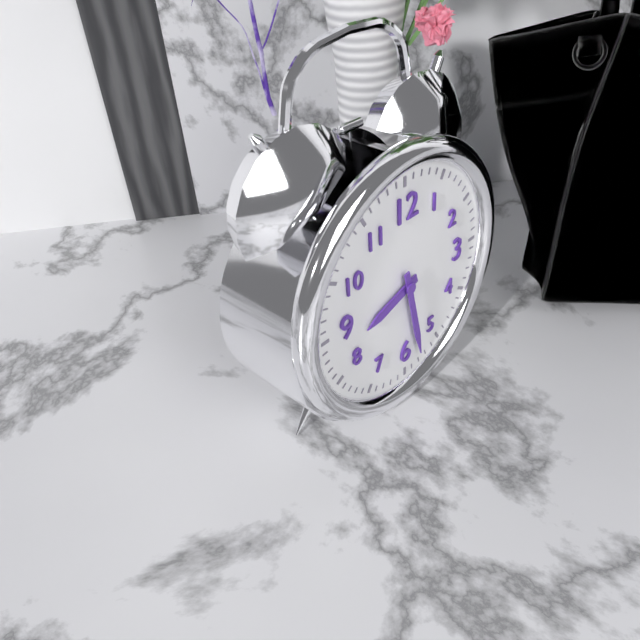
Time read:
8.28
